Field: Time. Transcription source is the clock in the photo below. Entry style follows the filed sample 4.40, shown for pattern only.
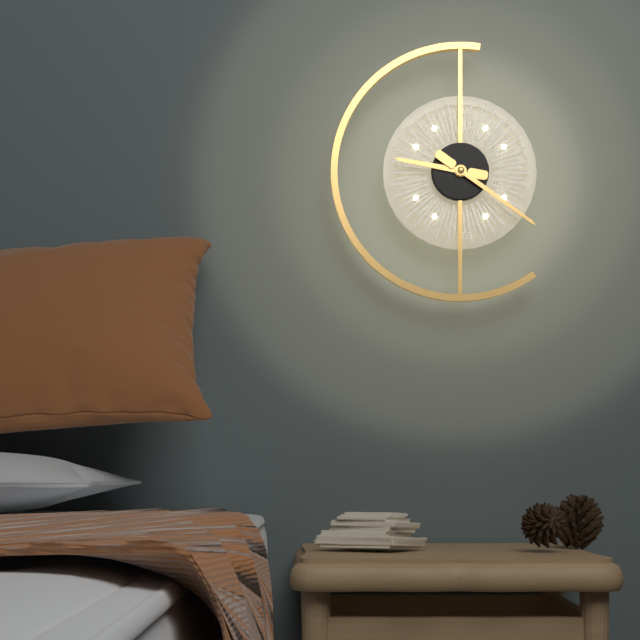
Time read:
9.21
